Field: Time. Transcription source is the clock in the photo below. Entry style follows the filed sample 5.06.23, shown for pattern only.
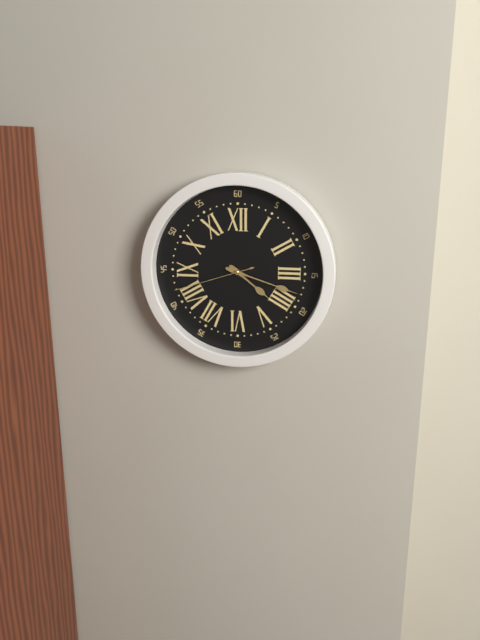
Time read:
4.18.42
